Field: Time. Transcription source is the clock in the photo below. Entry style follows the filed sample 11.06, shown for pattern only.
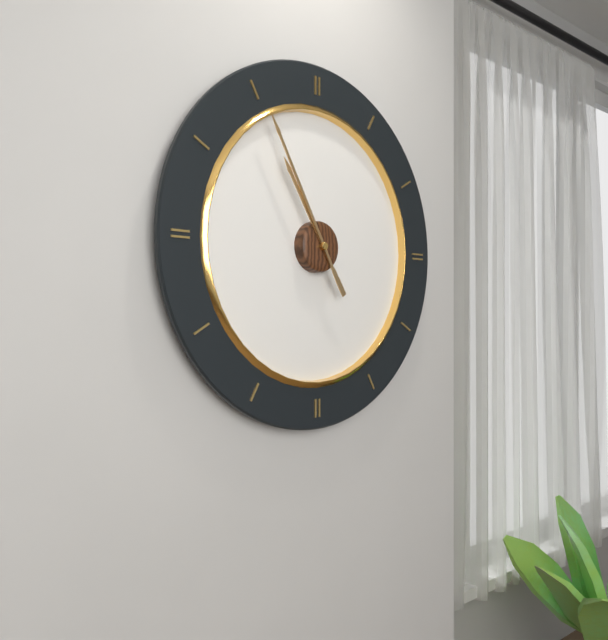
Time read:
10.55
